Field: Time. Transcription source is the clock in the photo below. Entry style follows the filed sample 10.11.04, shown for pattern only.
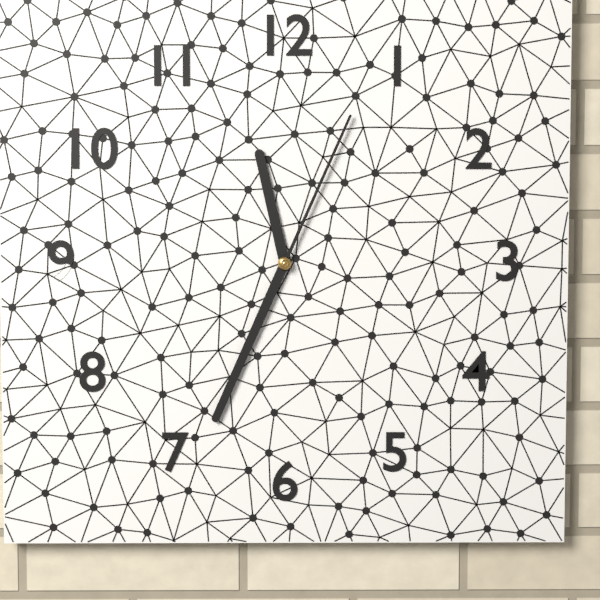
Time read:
11.34.04
